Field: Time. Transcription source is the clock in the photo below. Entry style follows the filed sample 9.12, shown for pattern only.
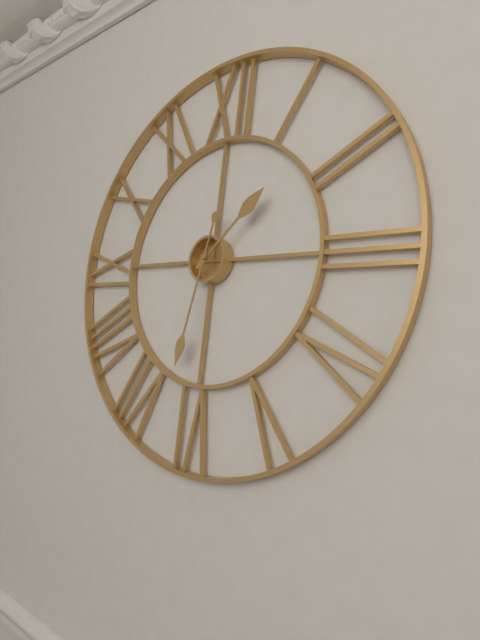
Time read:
1.32
